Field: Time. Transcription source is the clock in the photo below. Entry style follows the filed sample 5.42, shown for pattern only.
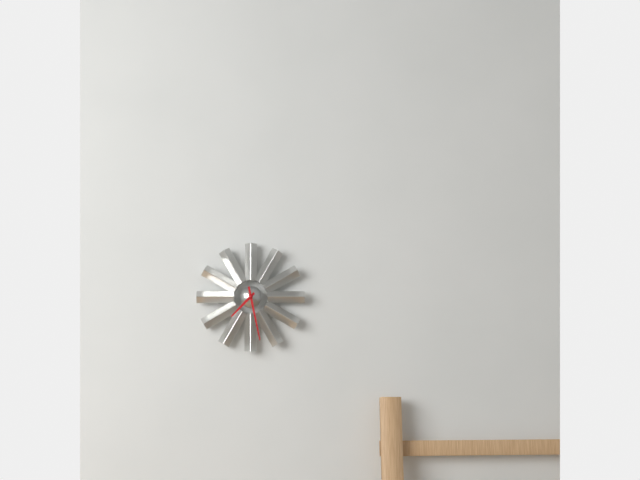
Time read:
7.28
